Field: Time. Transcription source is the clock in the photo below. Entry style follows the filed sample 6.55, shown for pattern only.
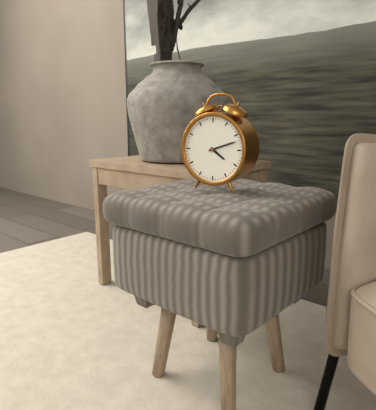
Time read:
4.12
